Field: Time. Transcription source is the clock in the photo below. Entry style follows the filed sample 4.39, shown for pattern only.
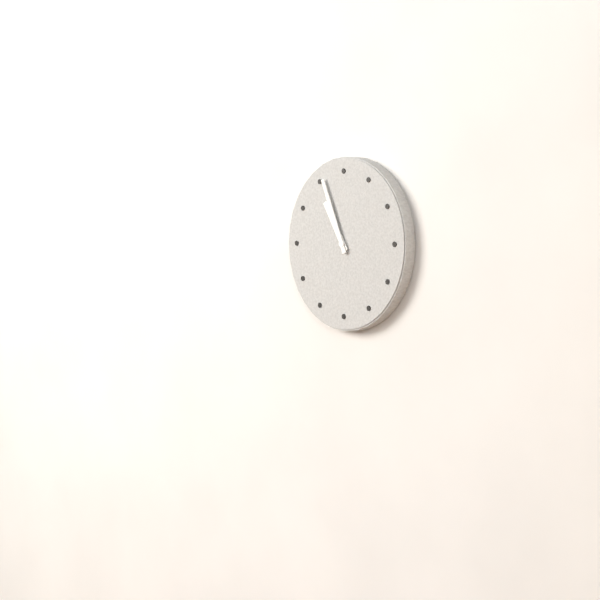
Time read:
10.56
